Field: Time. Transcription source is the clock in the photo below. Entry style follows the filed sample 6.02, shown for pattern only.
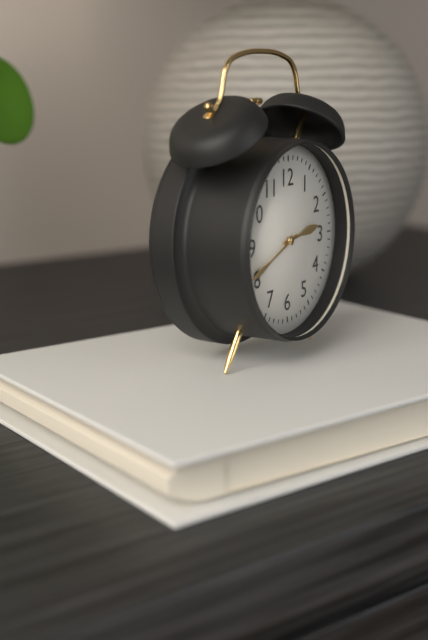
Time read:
2.41
